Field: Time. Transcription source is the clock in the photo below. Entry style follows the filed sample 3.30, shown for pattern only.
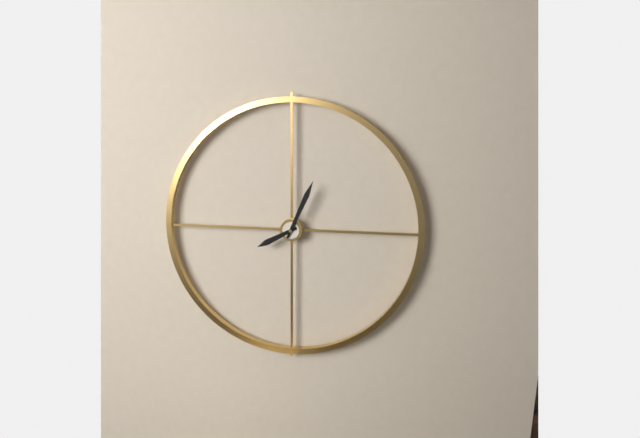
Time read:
8.04
